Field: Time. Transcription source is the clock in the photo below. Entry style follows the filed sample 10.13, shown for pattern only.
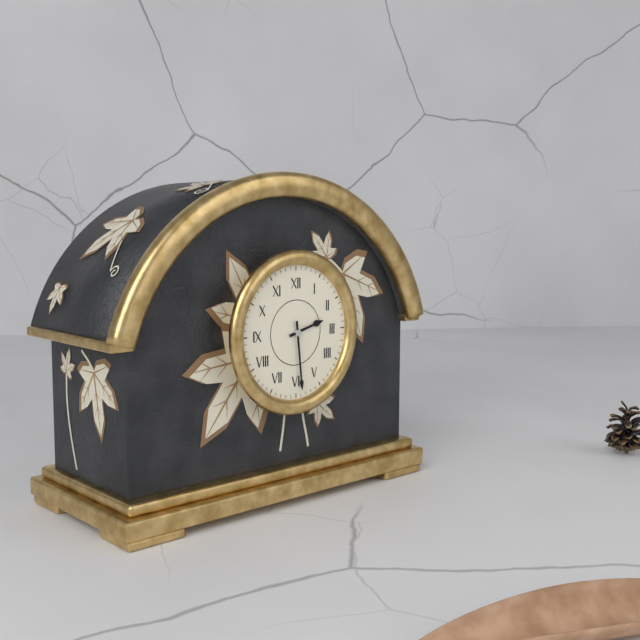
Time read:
2.29
